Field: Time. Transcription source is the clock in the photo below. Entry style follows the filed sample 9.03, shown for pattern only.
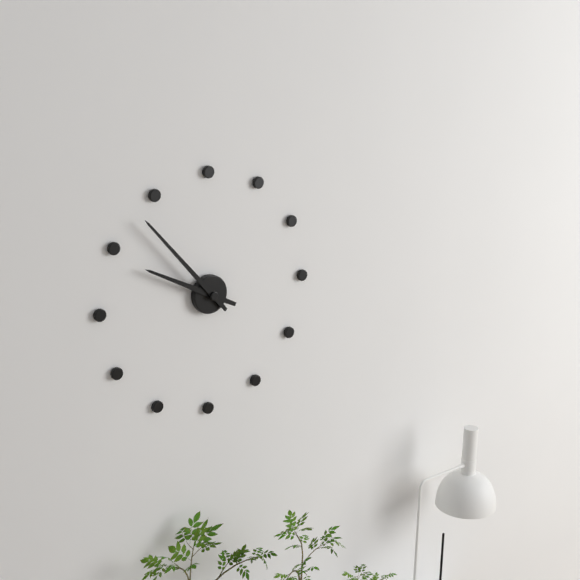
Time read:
9.53
